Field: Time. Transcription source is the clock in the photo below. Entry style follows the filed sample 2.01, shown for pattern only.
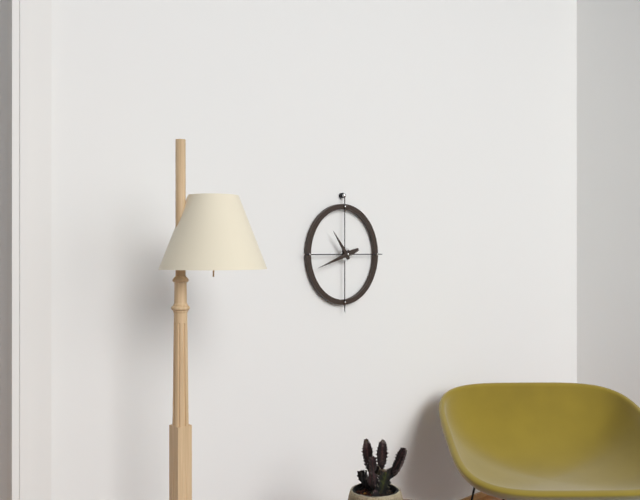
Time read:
10.42
